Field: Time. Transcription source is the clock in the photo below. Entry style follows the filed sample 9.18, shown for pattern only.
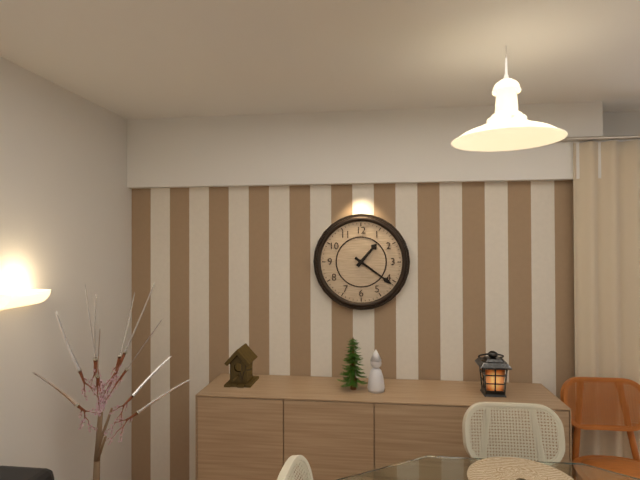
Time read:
1.21
